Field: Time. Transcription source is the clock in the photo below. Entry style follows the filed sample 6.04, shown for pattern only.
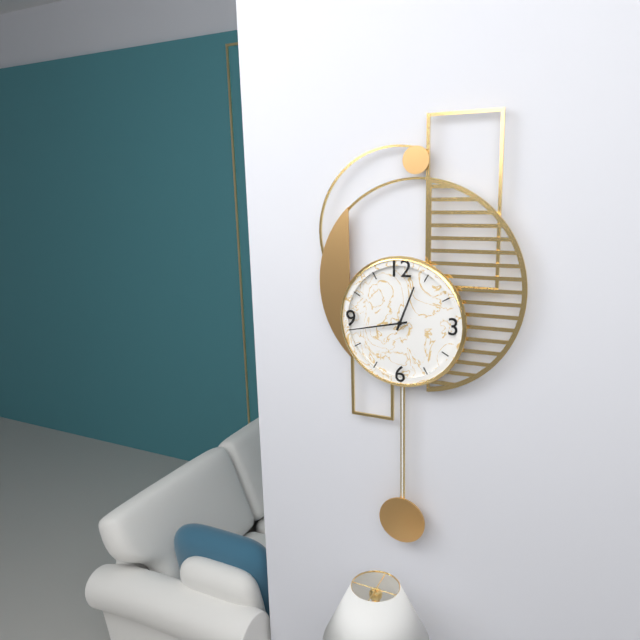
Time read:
12.43
